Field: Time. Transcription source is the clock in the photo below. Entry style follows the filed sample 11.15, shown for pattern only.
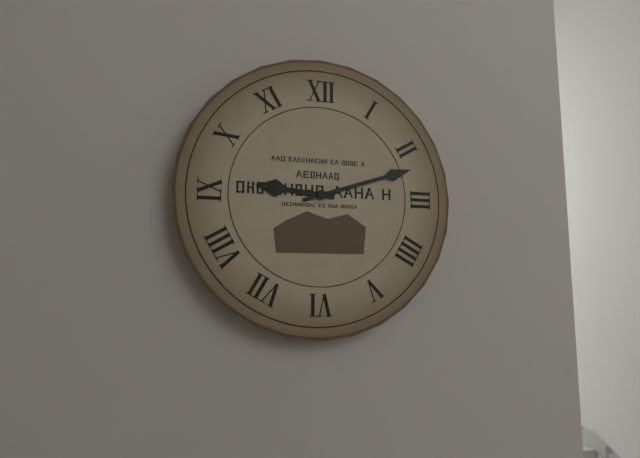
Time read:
9.12
